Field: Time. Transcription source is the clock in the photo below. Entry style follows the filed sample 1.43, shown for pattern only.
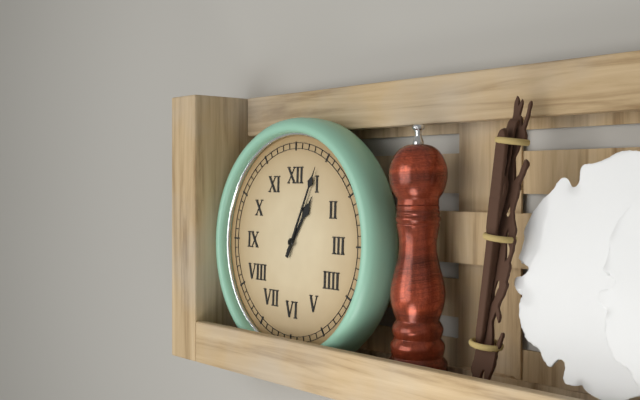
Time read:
1.04
